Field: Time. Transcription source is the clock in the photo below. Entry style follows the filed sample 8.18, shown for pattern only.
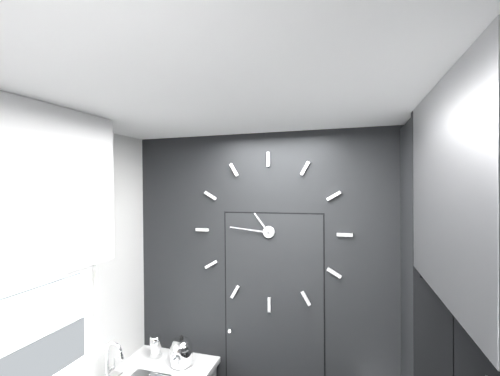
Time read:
10.46
